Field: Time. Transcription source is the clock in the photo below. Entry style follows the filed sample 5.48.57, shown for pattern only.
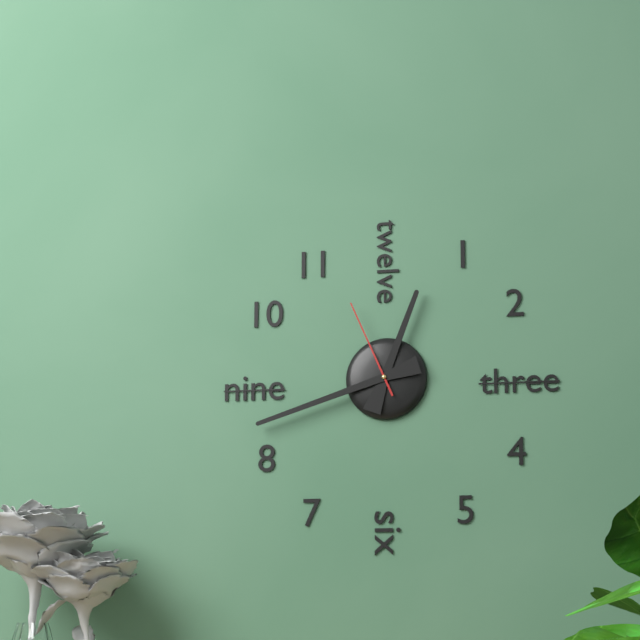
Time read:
12.42.56
